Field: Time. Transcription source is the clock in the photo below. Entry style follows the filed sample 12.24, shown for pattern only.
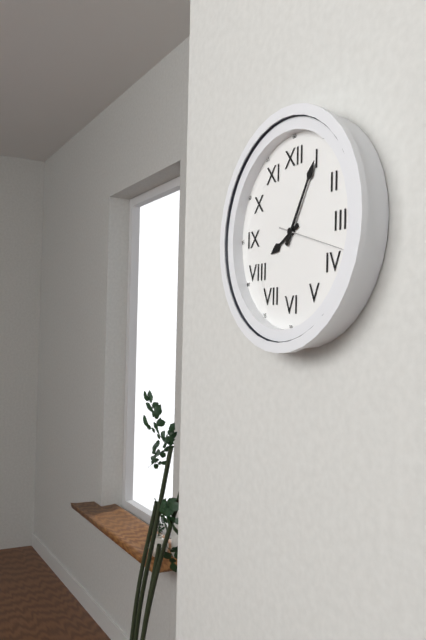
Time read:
8.05
